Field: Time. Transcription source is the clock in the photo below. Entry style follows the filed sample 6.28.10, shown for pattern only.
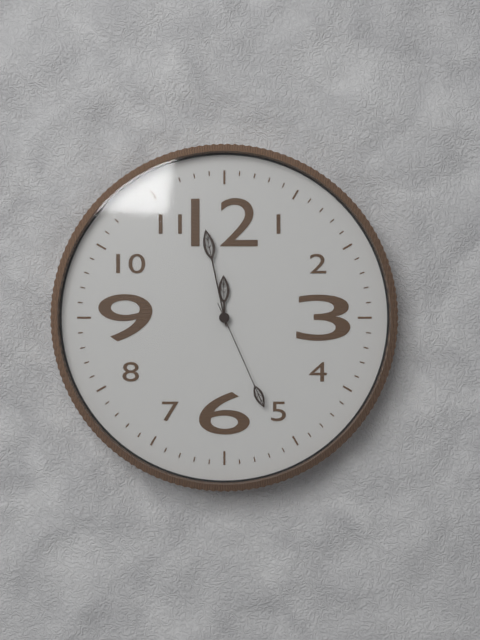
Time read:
11.58.26
